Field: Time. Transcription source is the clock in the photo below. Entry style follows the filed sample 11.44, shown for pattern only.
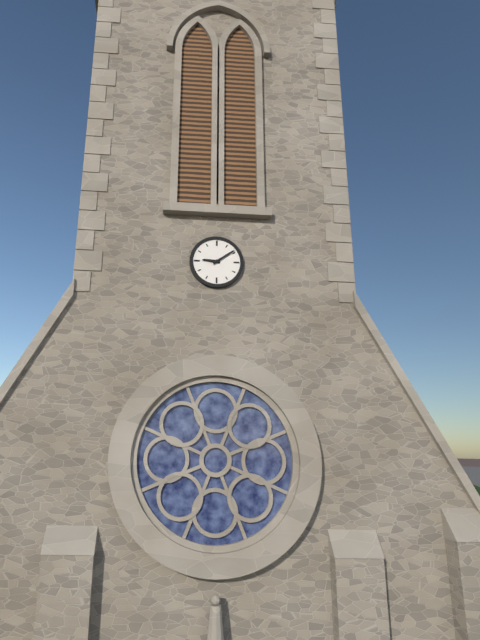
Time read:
9.09
